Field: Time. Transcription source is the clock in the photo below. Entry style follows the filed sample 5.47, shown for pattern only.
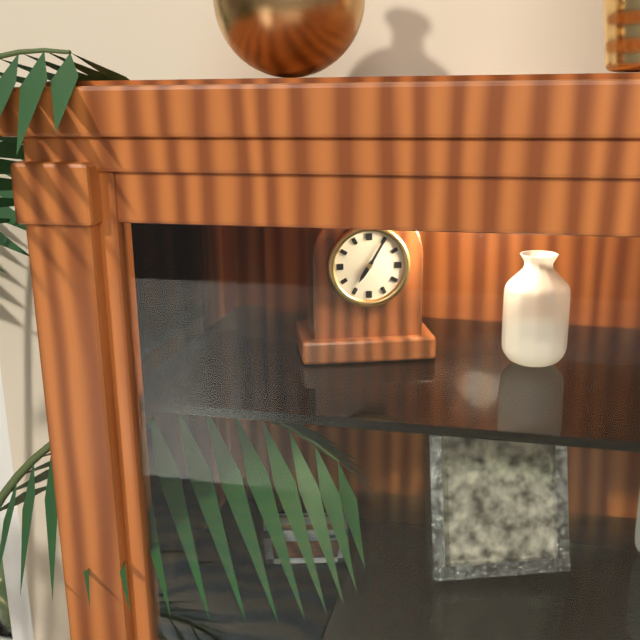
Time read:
7.05
